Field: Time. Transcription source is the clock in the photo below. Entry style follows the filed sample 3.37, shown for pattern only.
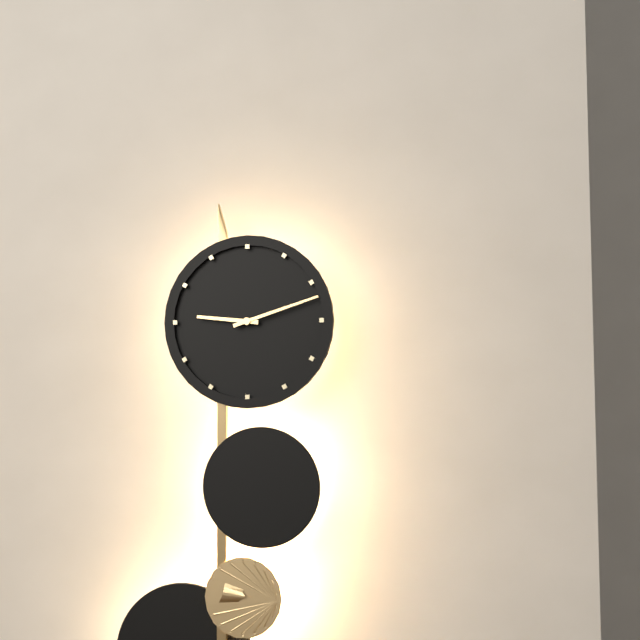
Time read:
9.12
